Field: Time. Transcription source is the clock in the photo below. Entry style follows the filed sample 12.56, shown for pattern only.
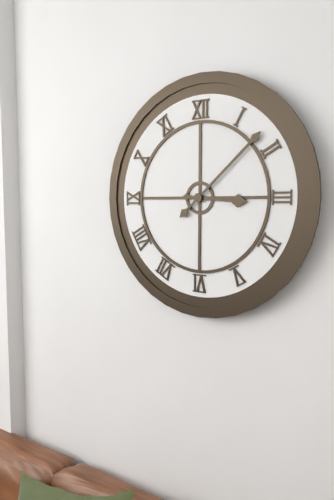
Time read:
3.08
